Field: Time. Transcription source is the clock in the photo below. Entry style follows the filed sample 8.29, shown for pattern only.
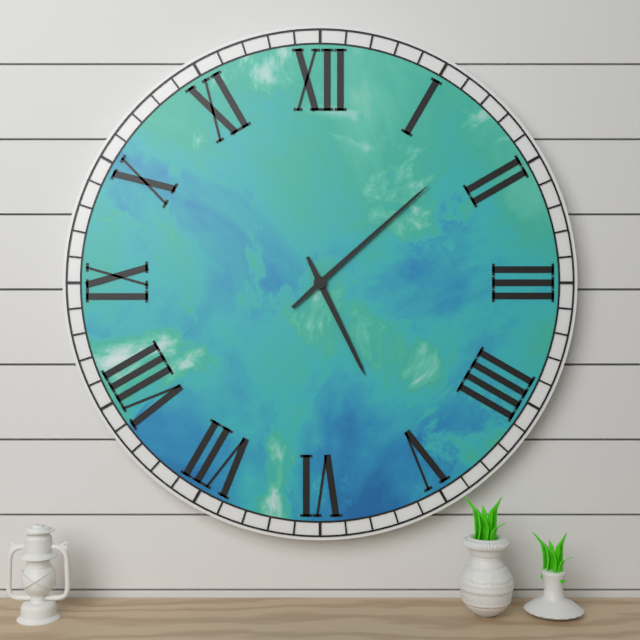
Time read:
5.08
